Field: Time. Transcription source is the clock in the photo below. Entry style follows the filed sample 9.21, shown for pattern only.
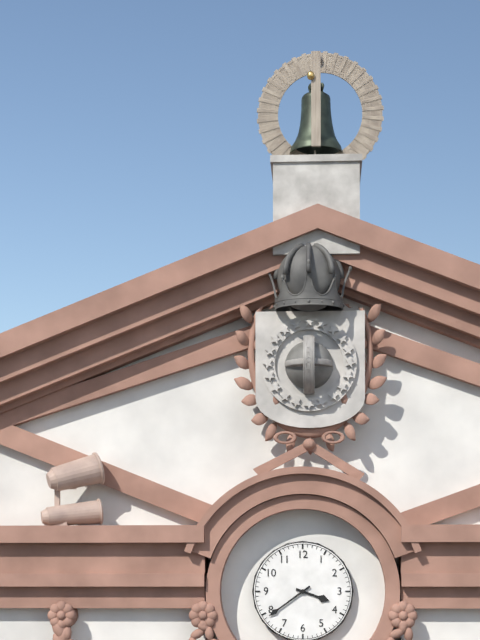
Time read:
3.39
